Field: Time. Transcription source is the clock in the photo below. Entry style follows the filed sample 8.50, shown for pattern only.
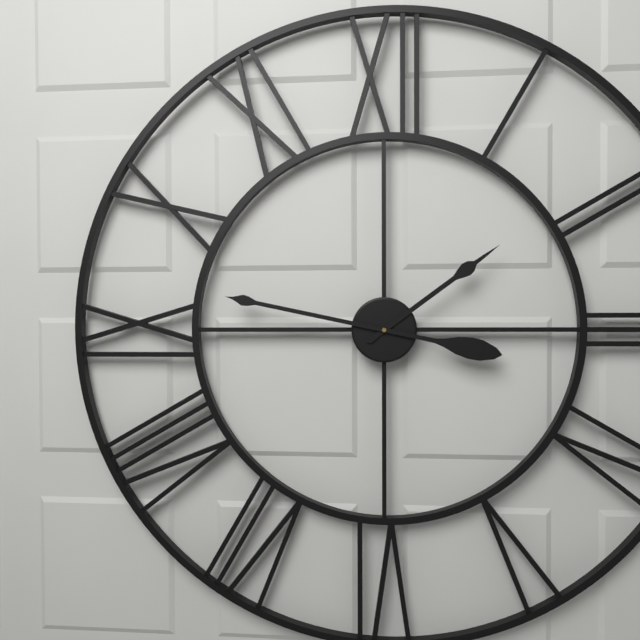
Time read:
1.47
